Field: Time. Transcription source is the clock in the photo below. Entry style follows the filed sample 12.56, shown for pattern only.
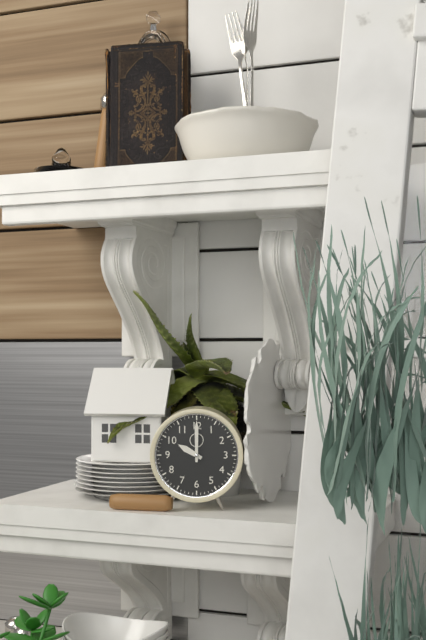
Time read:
10.00
